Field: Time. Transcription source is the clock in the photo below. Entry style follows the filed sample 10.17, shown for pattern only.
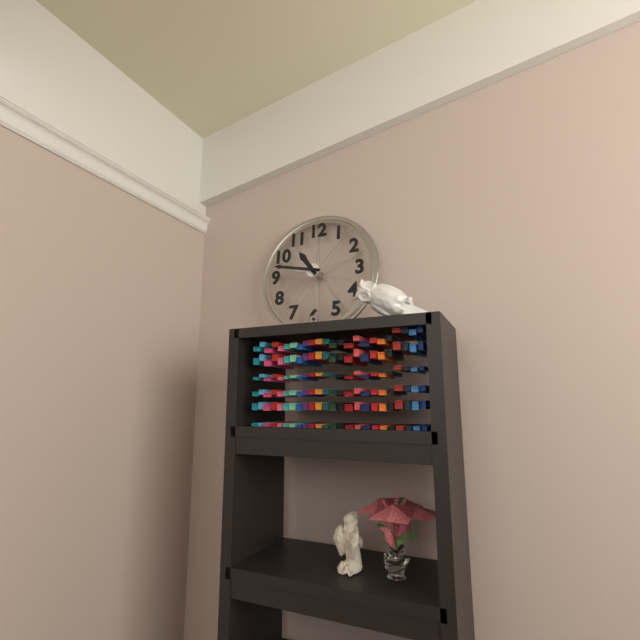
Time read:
10.47
